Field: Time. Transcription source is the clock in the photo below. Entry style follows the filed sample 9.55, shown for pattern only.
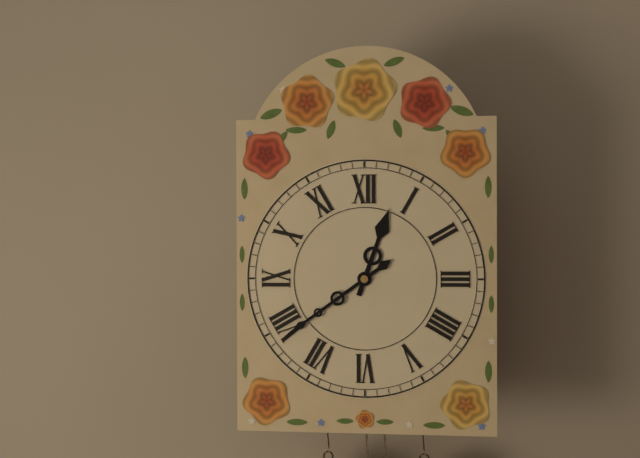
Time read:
12.39
